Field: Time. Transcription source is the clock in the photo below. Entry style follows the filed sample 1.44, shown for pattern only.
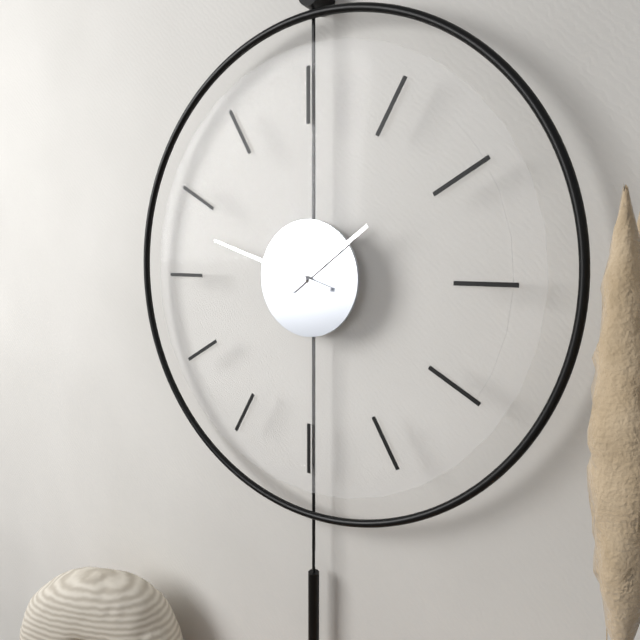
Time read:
1.48
